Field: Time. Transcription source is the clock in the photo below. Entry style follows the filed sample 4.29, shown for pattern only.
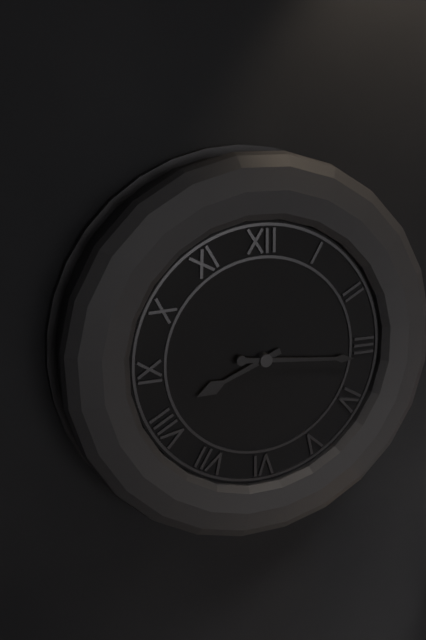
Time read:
8.16
